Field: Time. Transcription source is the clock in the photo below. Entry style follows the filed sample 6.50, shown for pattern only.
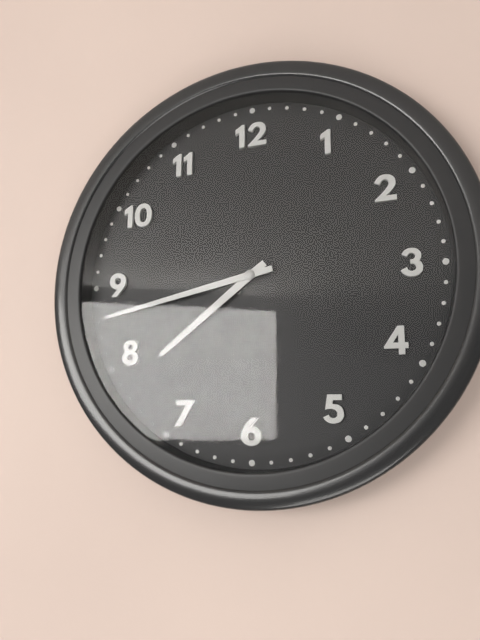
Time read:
7.43
